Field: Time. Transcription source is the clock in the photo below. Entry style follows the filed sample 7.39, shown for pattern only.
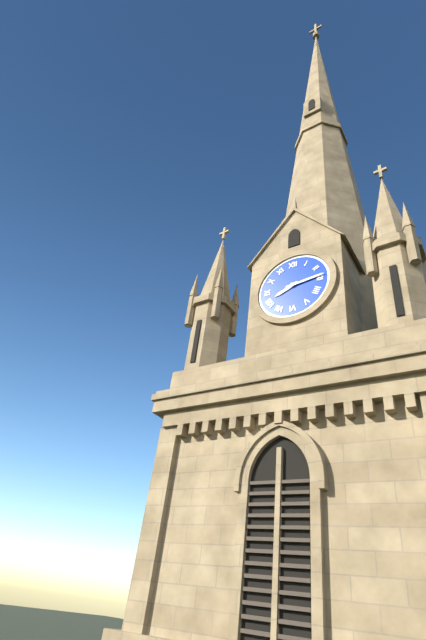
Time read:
8.14
